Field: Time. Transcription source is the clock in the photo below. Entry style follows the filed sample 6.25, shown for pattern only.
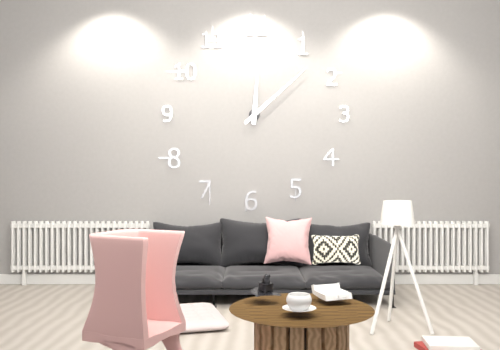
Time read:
12.08
